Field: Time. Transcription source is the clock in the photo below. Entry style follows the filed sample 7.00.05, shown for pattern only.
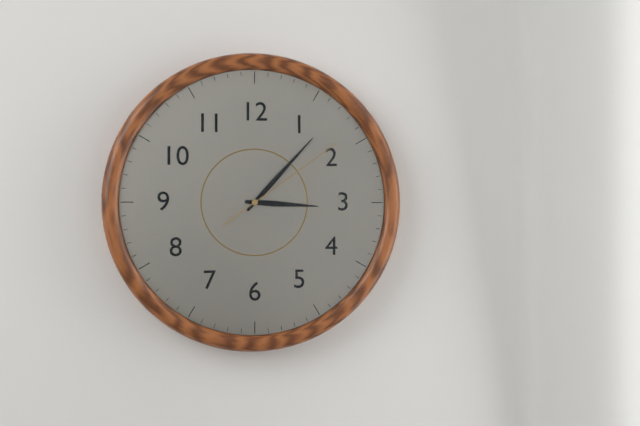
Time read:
3.07.09
